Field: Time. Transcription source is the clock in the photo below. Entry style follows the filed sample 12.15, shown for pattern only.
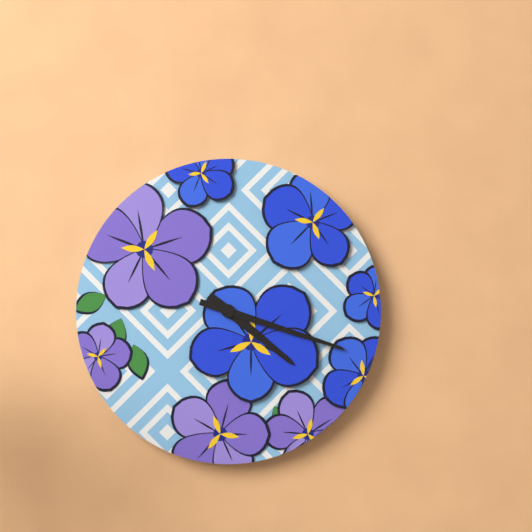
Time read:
4.18
